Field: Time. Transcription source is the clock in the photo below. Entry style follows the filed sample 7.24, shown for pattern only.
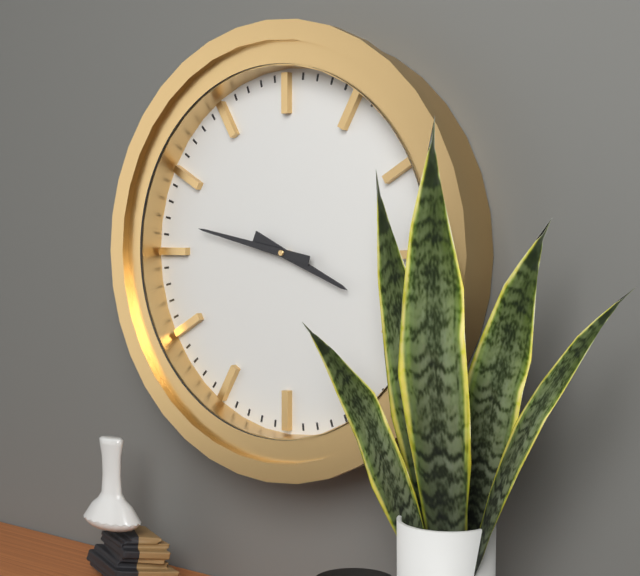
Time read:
3.47
